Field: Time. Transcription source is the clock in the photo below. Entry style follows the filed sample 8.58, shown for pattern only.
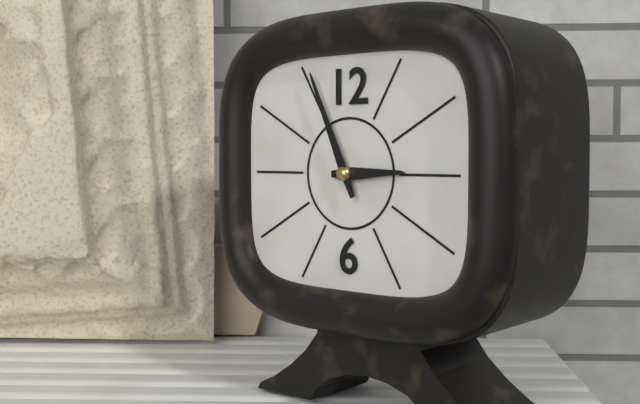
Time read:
2.56
